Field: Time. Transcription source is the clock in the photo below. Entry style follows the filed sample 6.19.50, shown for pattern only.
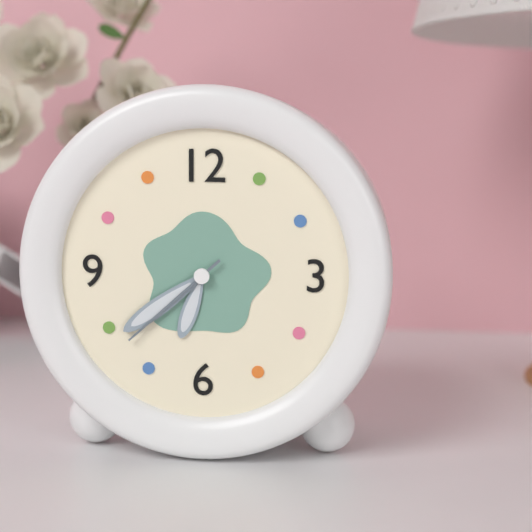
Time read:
6.39.38
